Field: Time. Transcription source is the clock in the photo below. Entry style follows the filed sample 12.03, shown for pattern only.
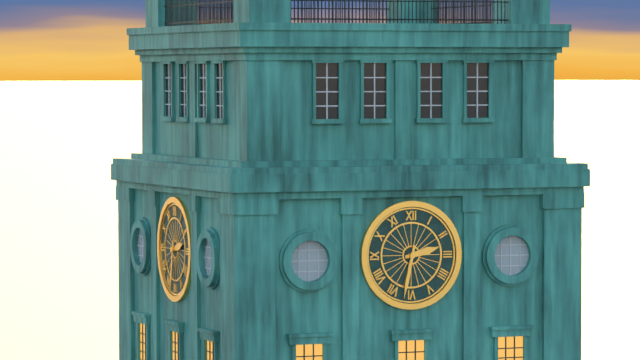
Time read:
2.32
